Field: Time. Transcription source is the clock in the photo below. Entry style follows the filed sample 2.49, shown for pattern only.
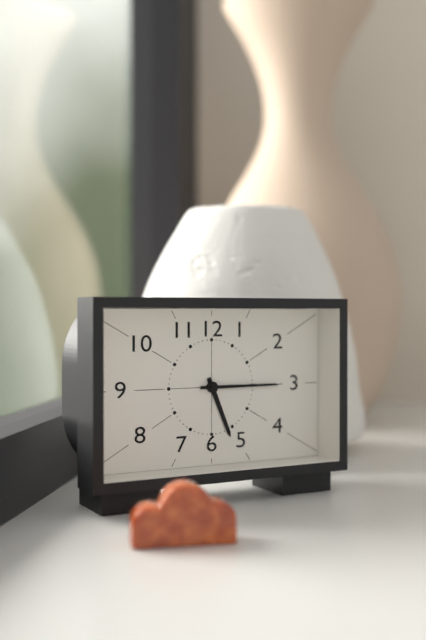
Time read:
5.15
